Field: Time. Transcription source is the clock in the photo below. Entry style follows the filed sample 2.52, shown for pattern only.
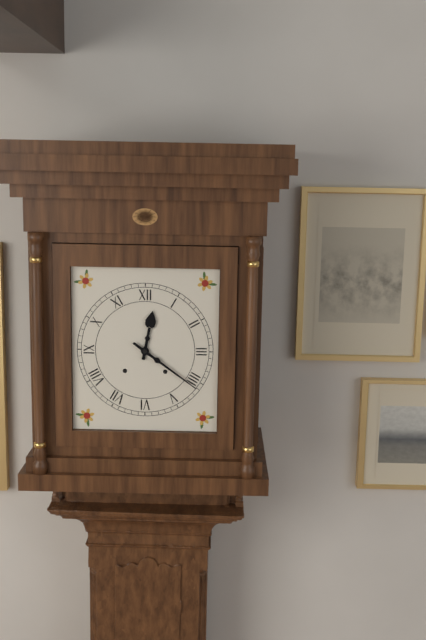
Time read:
12.21
